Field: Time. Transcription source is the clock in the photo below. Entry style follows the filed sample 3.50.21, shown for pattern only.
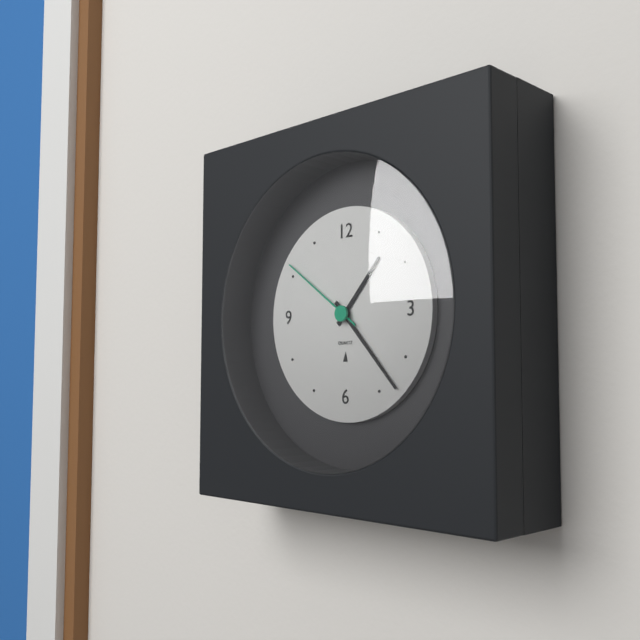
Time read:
1.23.51
